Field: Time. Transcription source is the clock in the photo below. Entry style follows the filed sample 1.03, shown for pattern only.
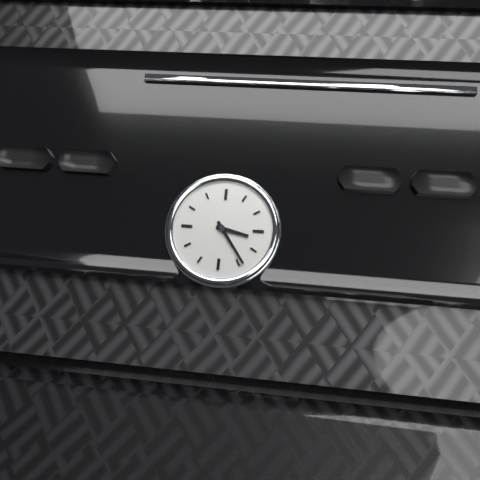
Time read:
3.24
